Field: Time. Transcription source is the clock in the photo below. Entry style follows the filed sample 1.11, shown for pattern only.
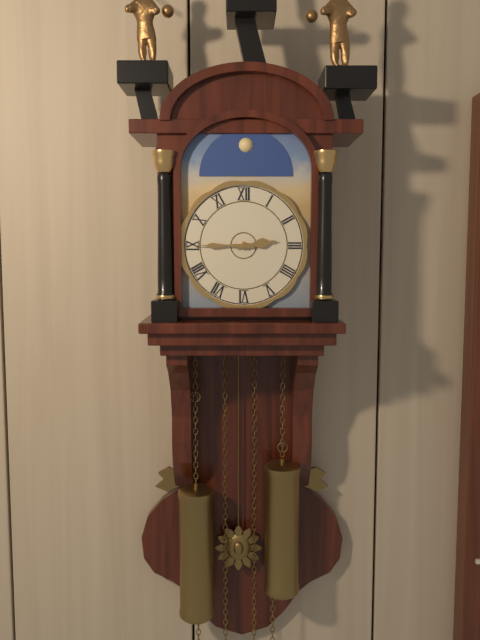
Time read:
2.45
